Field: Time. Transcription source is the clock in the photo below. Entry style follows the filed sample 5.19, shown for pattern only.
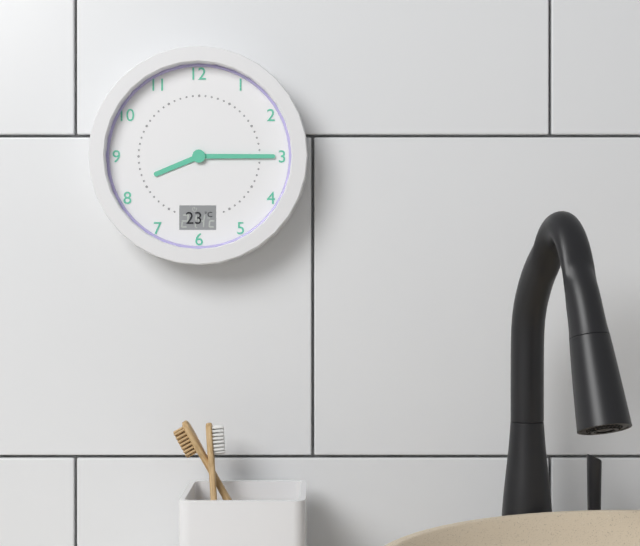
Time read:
8.15
